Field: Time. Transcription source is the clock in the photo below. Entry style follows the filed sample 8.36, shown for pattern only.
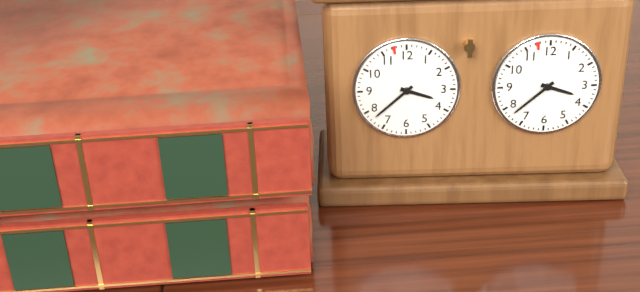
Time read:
3.38
